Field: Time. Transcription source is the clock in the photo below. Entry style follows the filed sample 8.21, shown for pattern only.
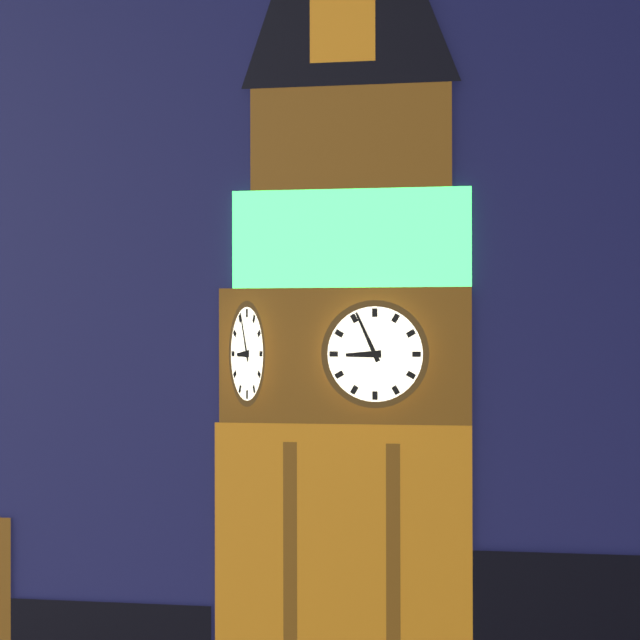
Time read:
8.56
